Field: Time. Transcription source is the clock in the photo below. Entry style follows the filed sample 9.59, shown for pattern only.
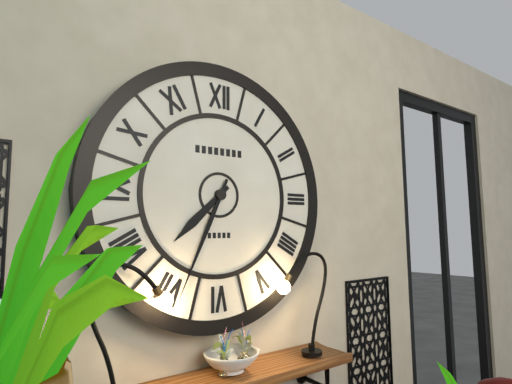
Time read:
7.34
